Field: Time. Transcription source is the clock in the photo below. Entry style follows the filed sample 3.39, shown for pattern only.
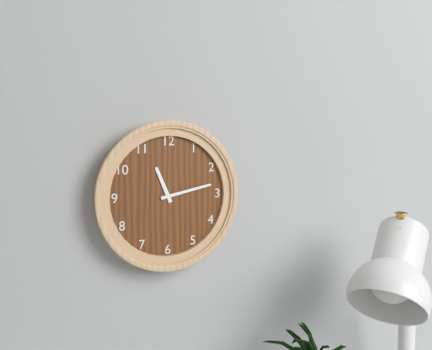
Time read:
11.13
